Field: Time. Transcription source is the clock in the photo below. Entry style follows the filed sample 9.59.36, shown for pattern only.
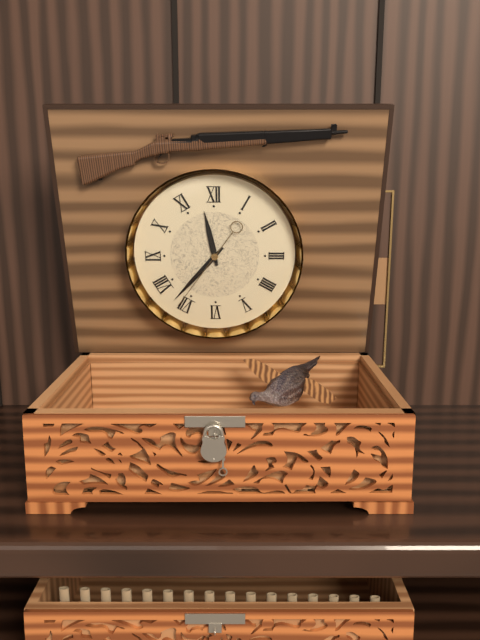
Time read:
11.37.36
